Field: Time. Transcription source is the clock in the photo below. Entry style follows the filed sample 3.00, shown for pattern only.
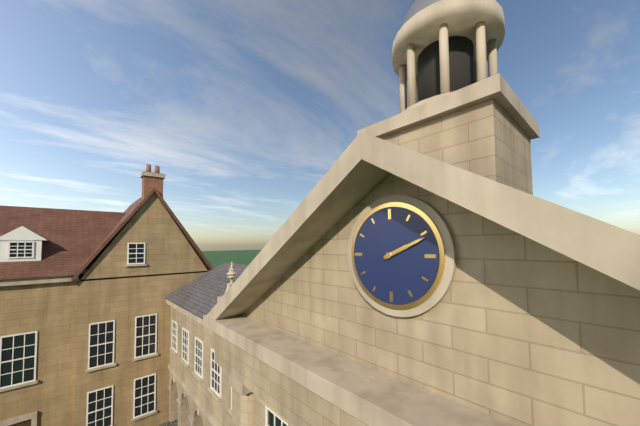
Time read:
2.11
